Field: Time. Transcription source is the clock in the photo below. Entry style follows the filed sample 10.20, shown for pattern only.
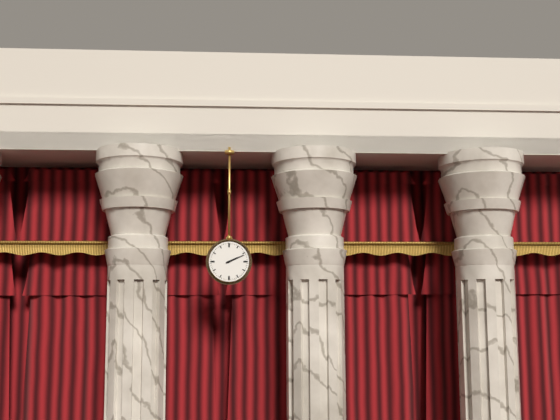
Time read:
2.11
